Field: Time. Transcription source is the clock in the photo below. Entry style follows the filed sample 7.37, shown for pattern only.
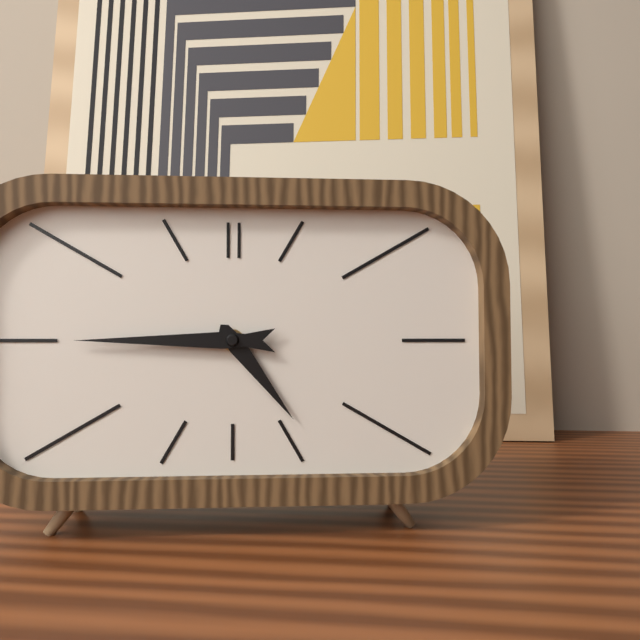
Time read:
4.45
